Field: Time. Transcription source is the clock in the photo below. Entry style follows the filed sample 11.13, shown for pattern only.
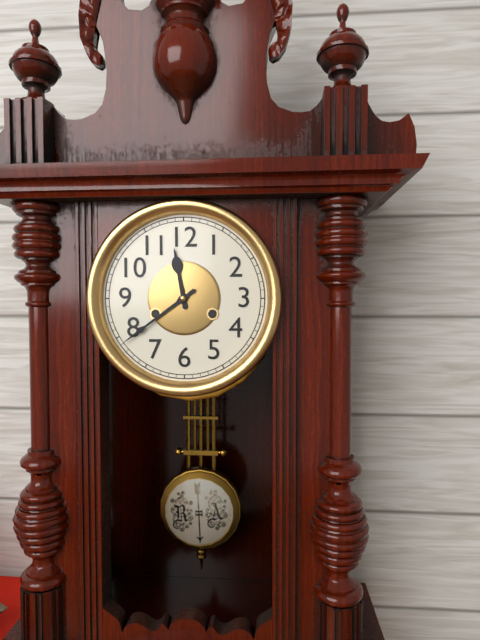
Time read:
11.39
